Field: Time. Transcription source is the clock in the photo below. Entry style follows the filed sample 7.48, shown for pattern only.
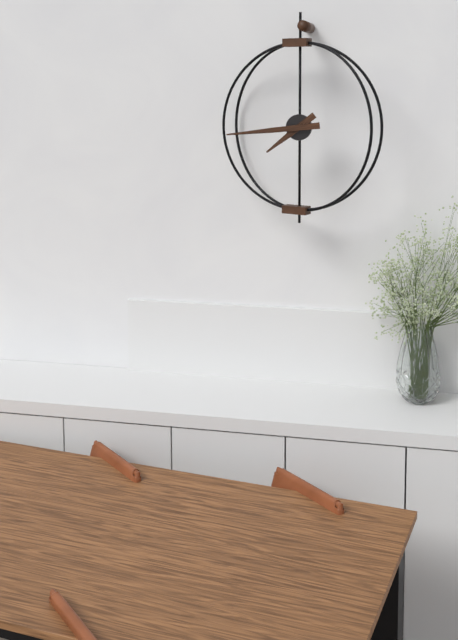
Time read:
7.44
